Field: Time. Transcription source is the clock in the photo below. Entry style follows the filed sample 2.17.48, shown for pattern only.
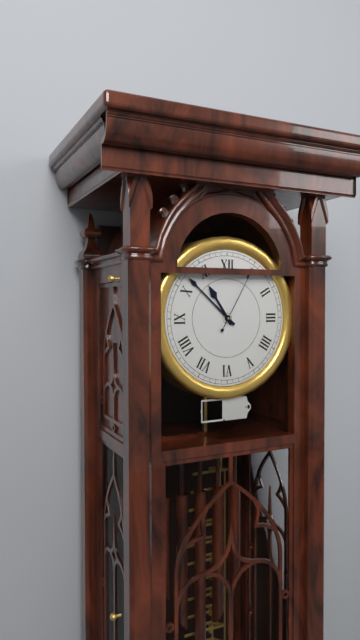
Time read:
10.52.05
